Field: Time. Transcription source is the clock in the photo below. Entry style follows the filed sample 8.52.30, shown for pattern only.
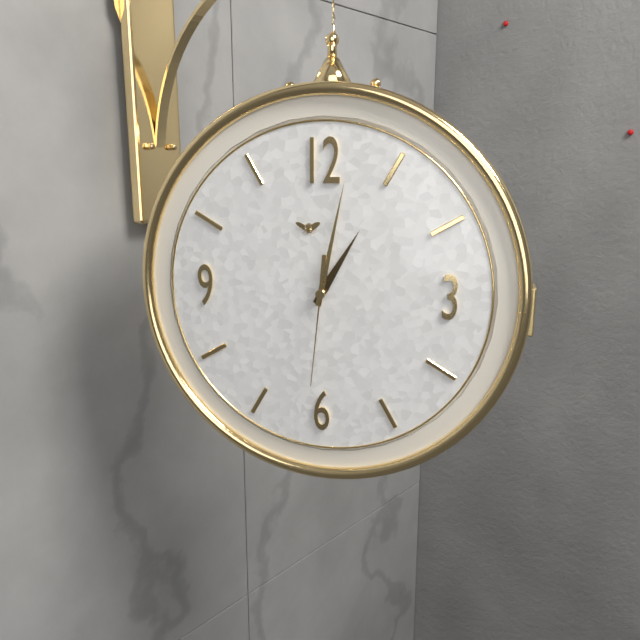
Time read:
1.02.31
